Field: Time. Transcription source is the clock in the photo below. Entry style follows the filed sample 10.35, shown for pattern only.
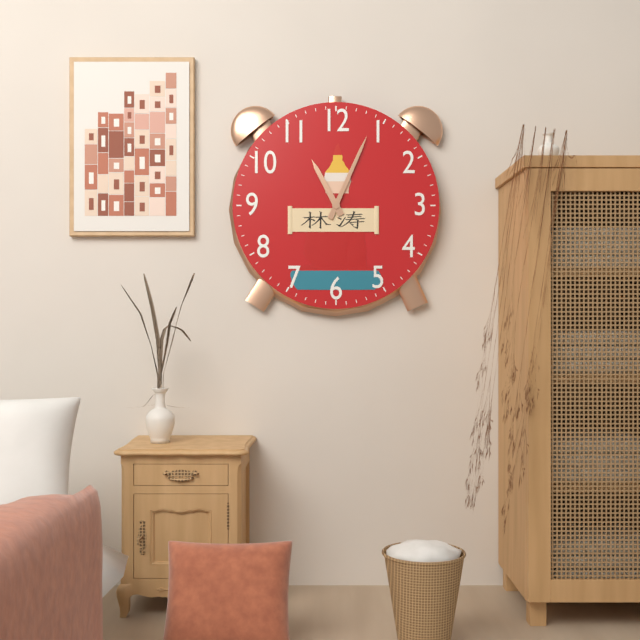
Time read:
11.04
